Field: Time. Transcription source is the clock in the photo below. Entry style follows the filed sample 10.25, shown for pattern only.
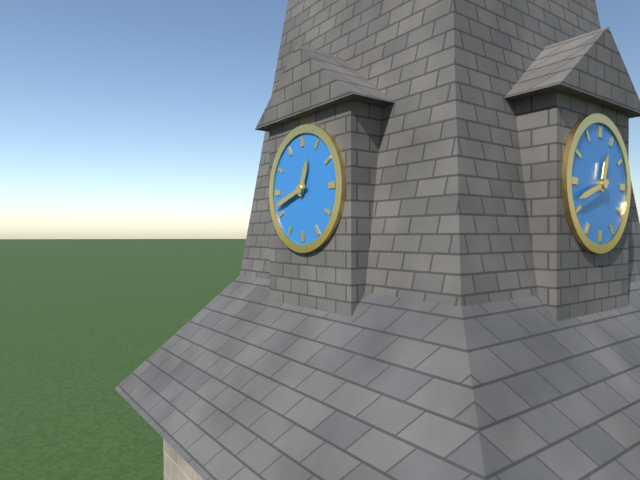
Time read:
12.42
